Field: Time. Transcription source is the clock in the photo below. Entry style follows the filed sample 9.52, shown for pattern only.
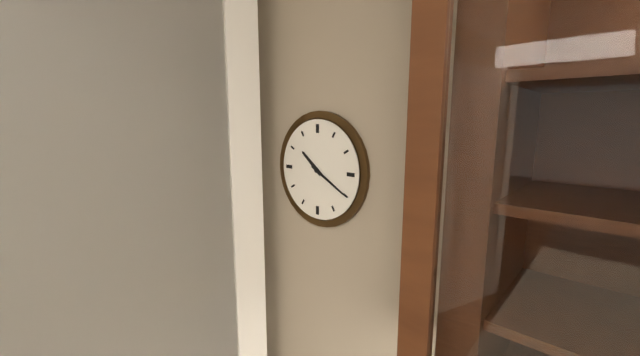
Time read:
10.20
